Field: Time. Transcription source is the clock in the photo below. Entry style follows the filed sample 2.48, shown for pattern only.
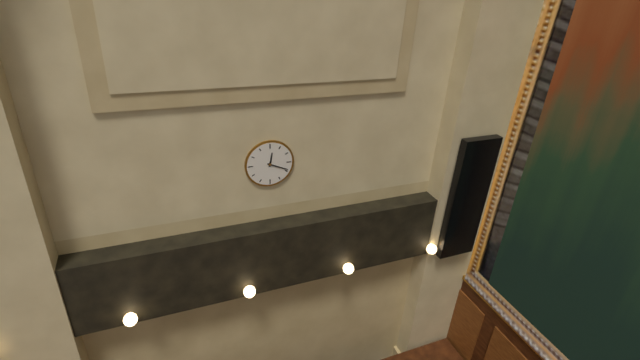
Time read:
12.19
